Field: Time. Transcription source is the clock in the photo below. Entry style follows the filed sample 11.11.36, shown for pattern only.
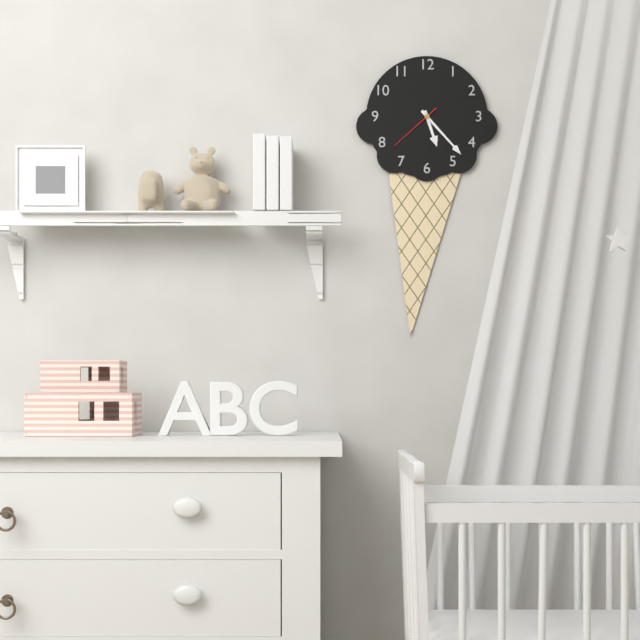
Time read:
5.23.38
